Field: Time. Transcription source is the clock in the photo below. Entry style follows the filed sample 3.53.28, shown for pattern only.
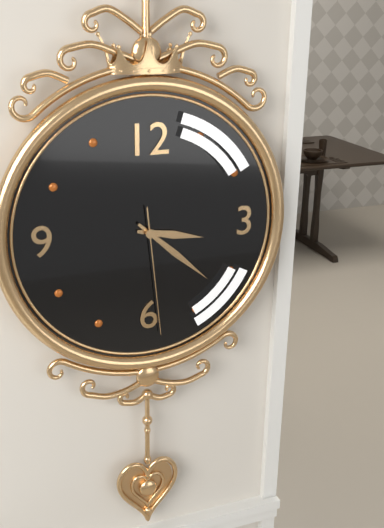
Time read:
3.22.29
